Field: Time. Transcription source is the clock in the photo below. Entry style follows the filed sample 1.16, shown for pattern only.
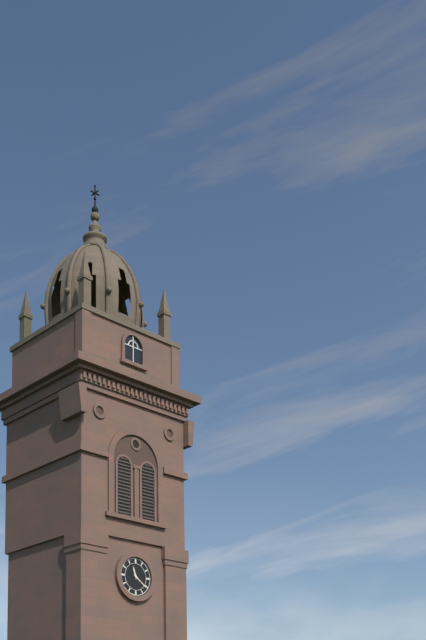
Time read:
11.21
